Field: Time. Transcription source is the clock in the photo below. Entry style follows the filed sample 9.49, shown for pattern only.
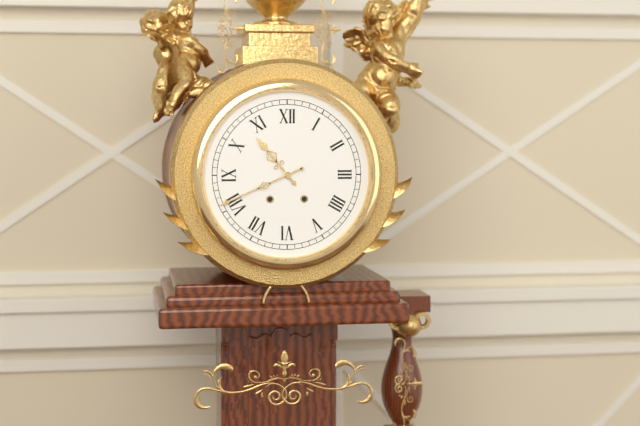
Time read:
10.41
